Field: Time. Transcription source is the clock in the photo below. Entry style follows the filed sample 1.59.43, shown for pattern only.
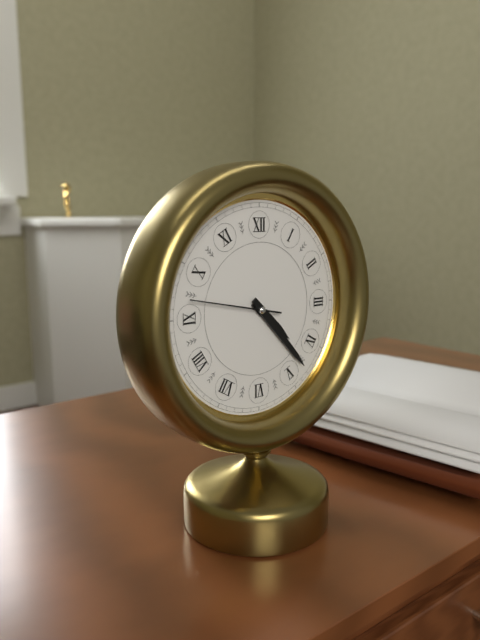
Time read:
4.23.47
